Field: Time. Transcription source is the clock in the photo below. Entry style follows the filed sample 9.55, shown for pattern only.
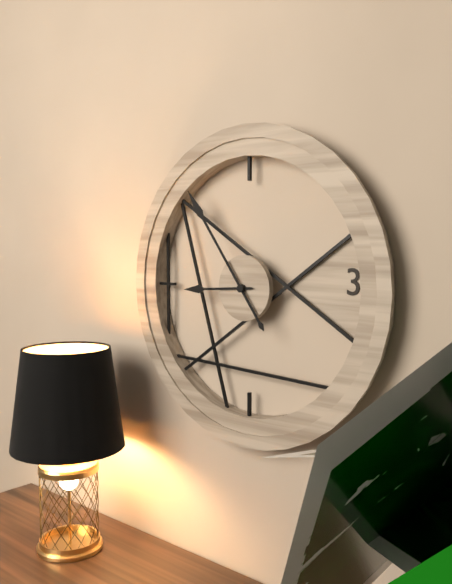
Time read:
8.54
